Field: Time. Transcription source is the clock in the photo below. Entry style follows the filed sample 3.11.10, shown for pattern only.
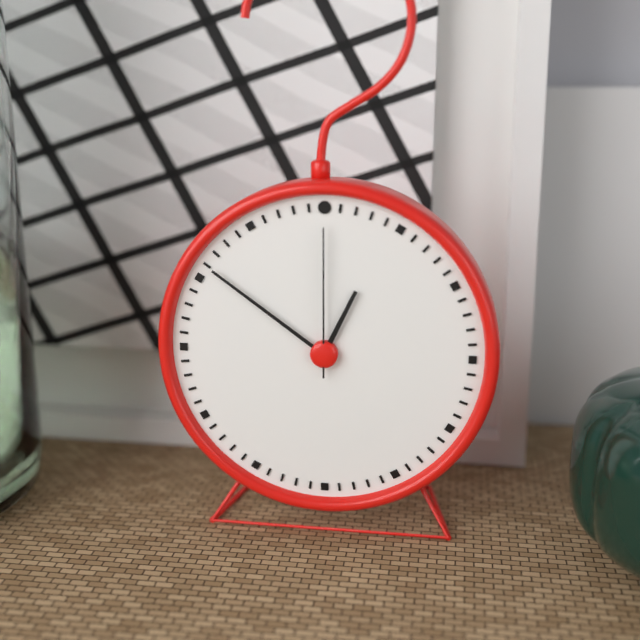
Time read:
12.51.00
